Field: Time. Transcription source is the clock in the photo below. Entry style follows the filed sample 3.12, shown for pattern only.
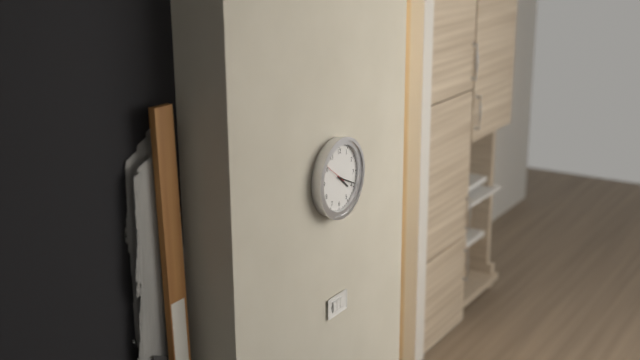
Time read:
4.19
